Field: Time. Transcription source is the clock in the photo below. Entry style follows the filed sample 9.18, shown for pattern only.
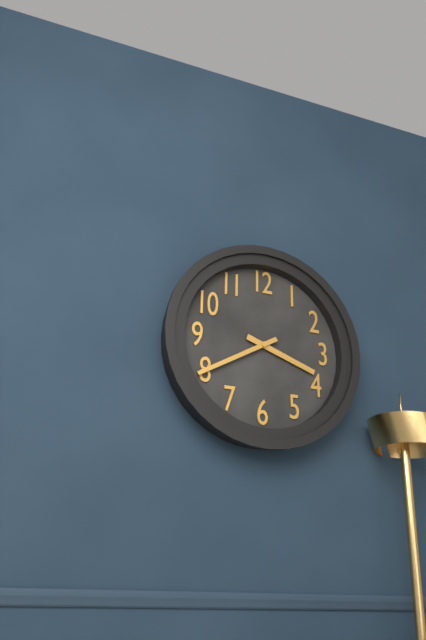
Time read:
3.40
